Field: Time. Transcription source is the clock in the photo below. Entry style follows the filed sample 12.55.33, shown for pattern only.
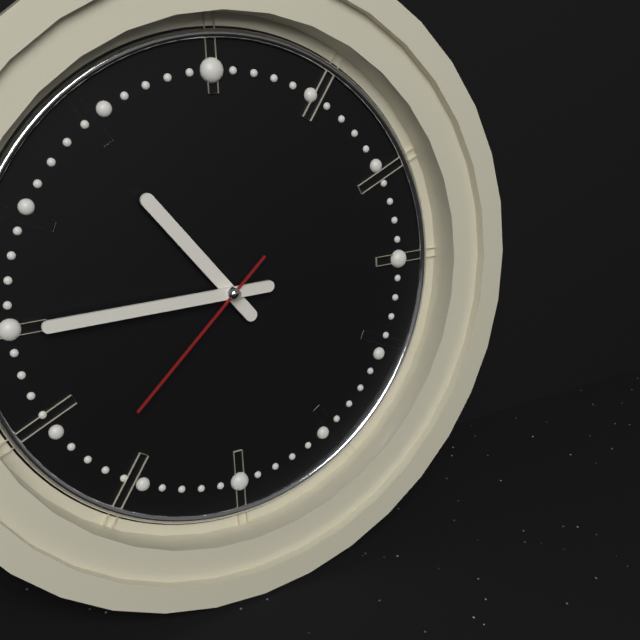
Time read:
10.45.38
